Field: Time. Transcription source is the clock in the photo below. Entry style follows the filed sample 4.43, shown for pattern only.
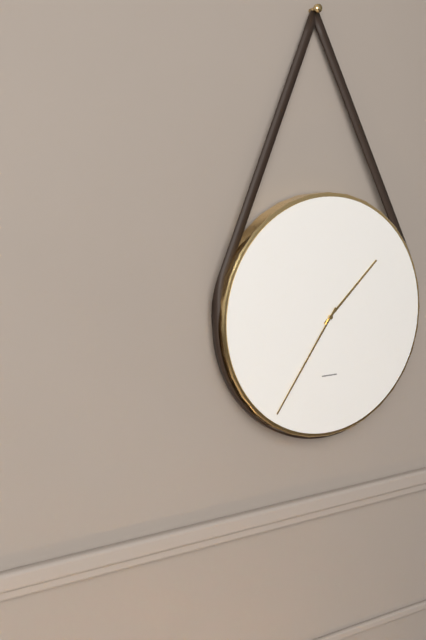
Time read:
1.36
